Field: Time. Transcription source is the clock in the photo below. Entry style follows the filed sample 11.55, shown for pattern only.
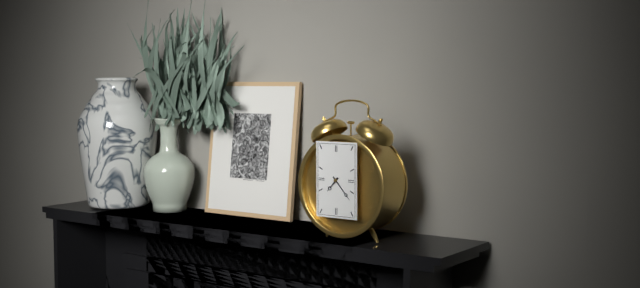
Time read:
7.23
